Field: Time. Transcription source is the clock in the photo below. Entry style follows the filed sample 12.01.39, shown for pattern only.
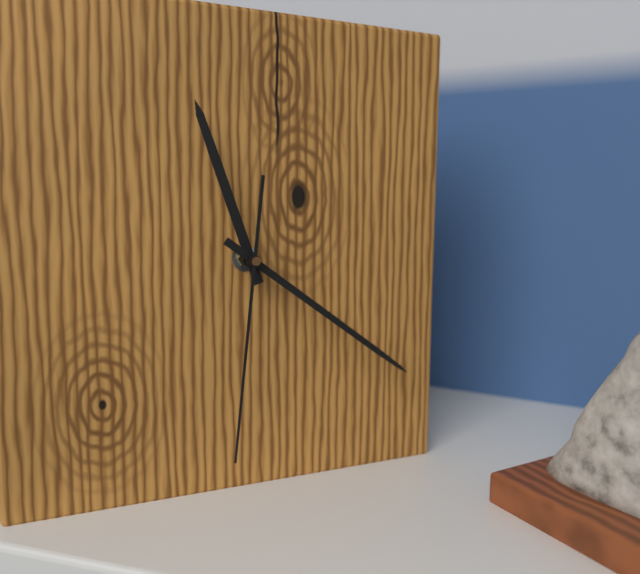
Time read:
11.21.31
